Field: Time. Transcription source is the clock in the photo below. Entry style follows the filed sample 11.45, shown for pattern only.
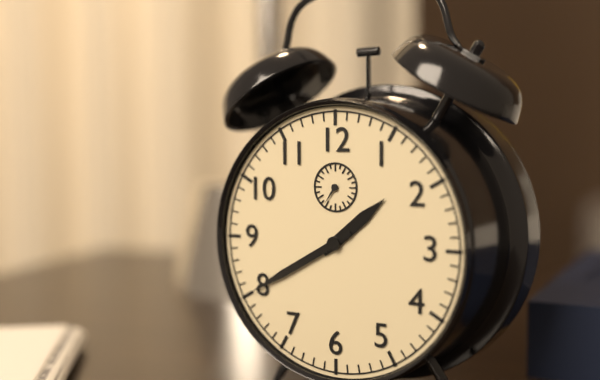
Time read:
1.40
